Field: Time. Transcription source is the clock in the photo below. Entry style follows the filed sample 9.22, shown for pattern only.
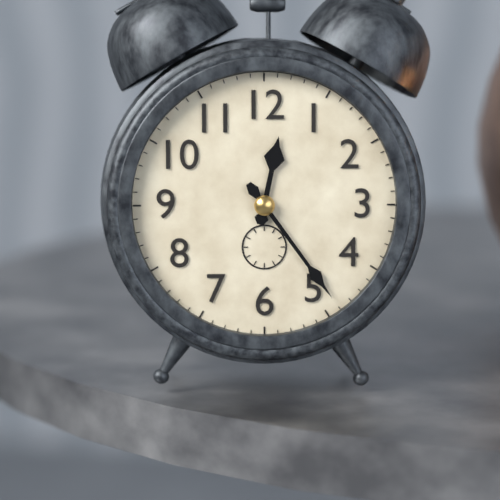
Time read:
12.24
